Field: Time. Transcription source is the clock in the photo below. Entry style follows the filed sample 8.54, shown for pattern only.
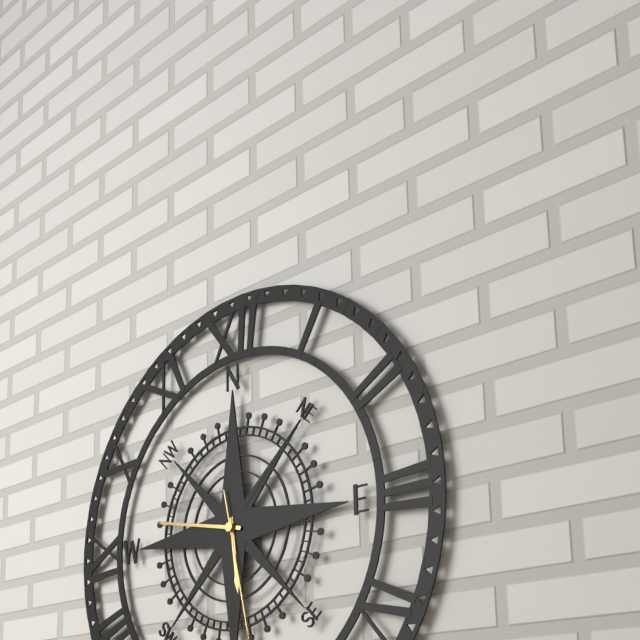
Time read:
5.47
